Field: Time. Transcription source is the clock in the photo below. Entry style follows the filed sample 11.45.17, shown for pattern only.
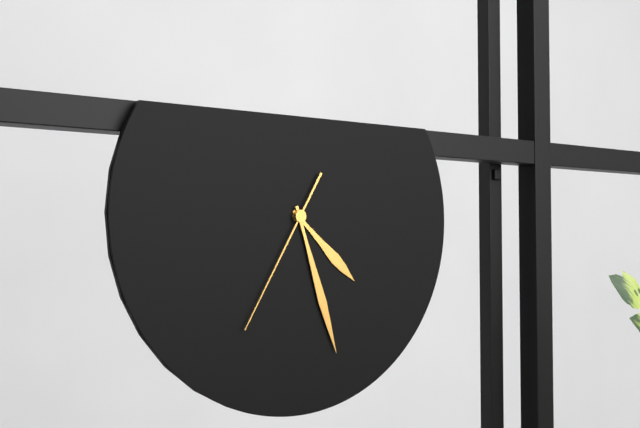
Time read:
4.27.35
